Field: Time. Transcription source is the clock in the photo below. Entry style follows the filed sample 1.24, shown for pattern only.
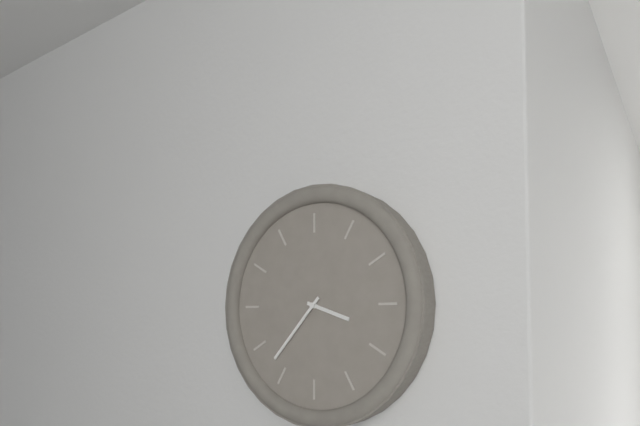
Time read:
3.37
